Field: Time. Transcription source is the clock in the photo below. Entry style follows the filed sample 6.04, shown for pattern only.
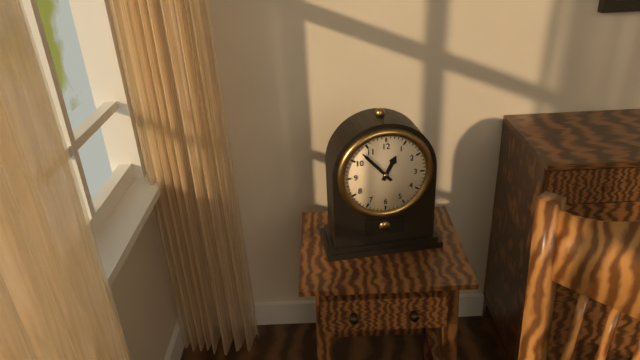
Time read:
12.53
